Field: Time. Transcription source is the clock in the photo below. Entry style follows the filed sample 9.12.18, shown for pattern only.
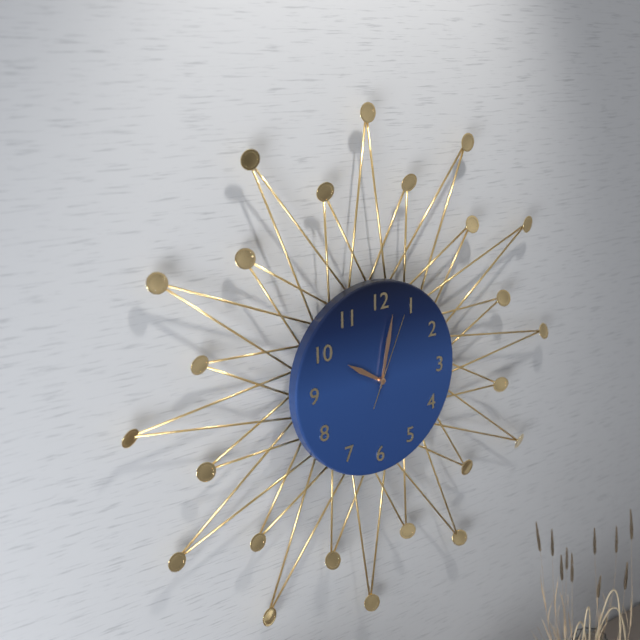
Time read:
10.02.04
